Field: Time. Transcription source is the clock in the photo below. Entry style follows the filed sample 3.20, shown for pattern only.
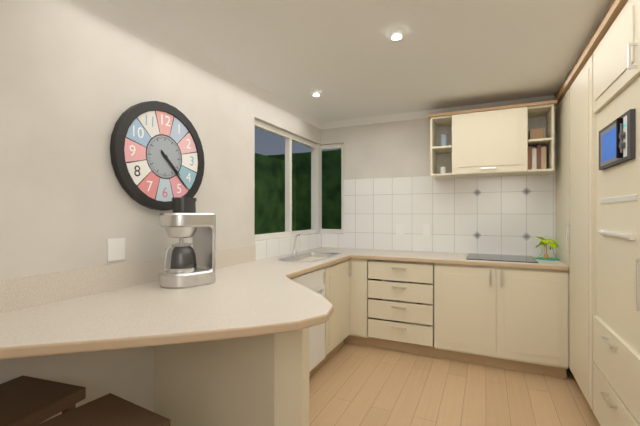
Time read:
4.23
